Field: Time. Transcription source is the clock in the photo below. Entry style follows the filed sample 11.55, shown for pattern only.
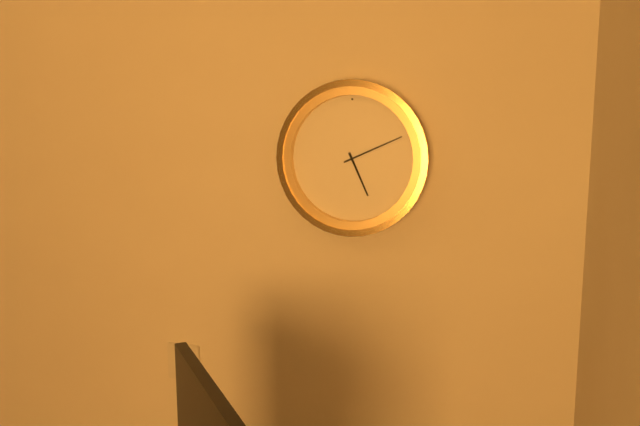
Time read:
5.11
